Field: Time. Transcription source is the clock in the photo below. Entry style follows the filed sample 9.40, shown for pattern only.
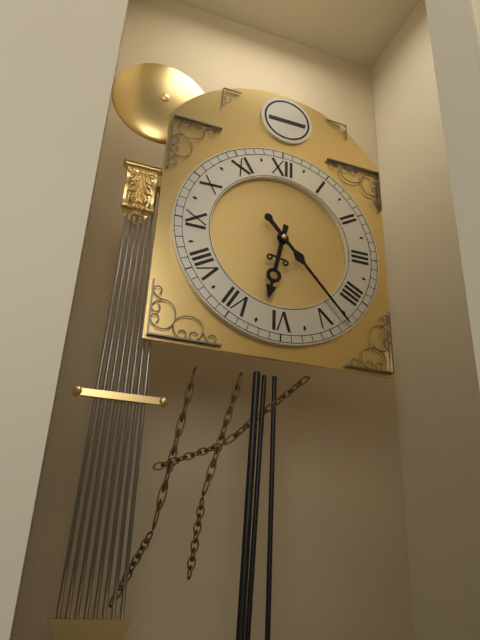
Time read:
6.23
